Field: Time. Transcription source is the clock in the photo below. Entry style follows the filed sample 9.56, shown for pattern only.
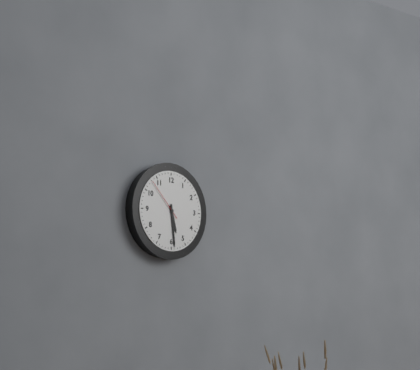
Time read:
5.29
